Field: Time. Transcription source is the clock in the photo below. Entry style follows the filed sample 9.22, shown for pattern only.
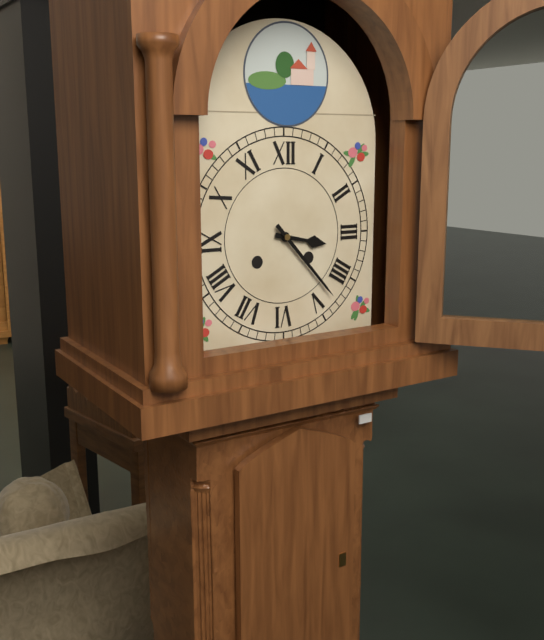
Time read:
3.23
